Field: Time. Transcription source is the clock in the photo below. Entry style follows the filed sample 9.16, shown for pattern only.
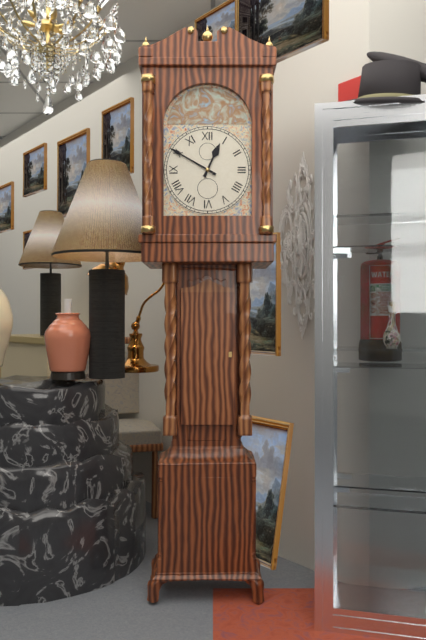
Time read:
12.50
